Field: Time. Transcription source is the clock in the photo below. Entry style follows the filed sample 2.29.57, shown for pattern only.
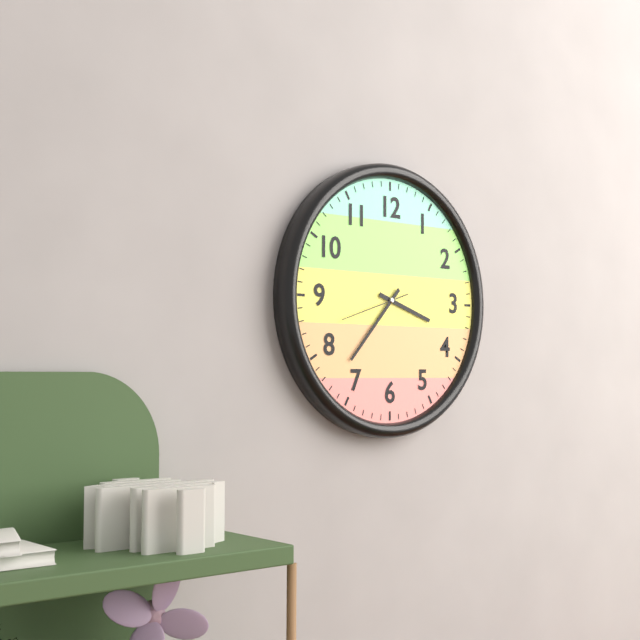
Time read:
3.37.42
